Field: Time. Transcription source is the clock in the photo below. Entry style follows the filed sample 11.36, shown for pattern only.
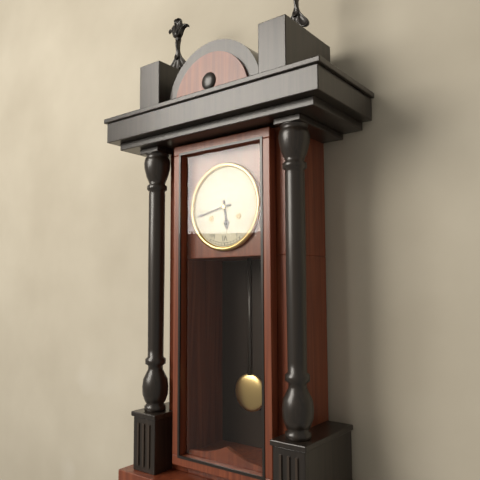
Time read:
5.43
